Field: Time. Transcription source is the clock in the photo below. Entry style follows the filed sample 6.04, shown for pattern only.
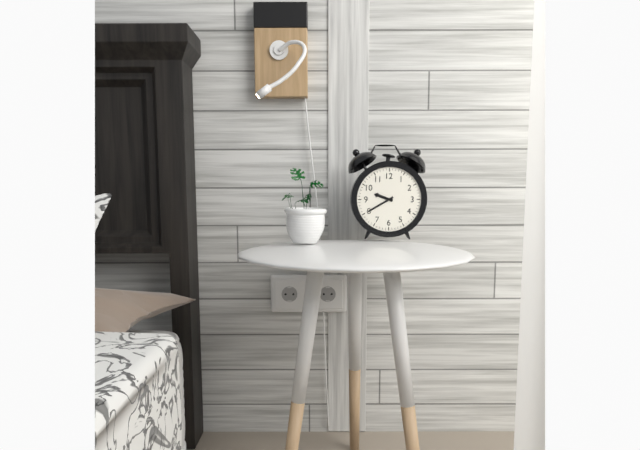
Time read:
9.40
